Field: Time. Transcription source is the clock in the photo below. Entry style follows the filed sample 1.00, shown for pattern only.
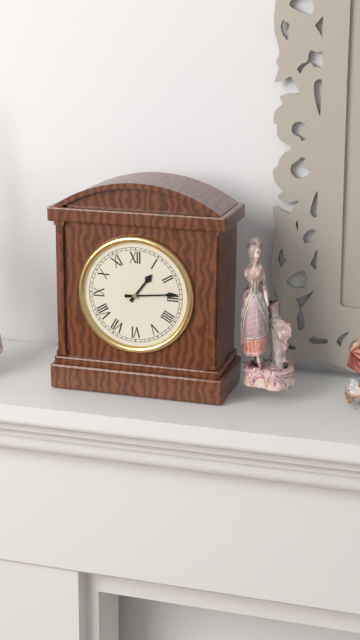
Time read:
1.14
